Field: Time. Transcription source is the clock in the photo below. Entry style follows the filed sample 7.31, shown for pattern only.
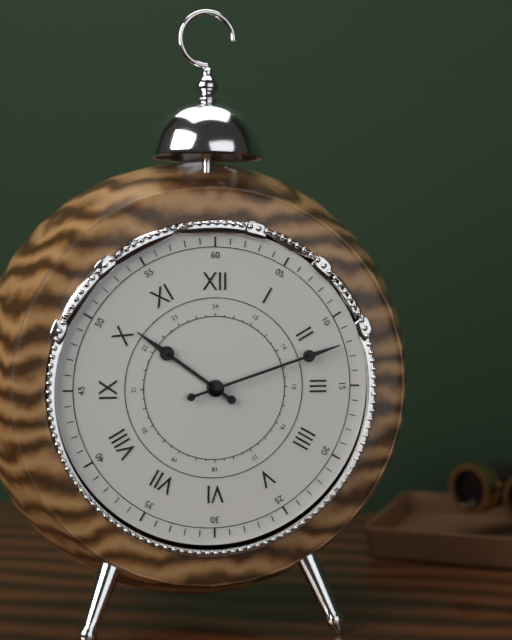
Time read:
10.12
